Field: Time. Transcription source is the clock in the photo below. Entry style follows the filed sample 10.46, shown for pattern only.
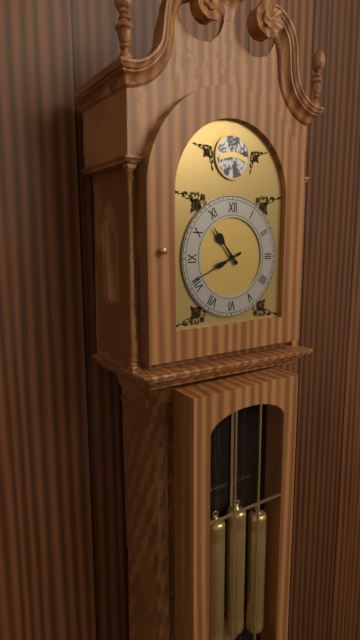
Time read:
10.41
